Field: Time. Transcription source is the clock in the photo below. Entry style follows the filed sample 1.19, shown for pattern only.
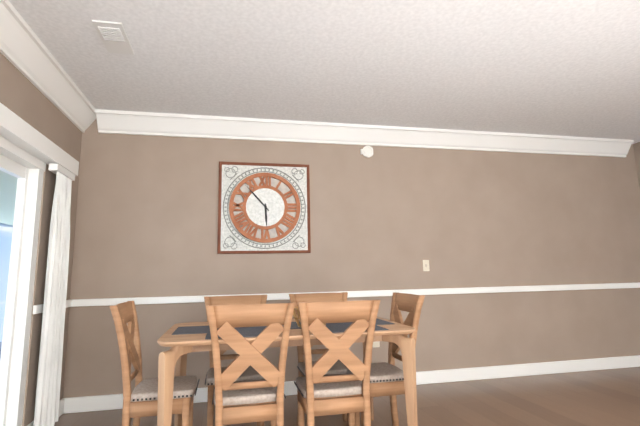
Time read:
5.53
